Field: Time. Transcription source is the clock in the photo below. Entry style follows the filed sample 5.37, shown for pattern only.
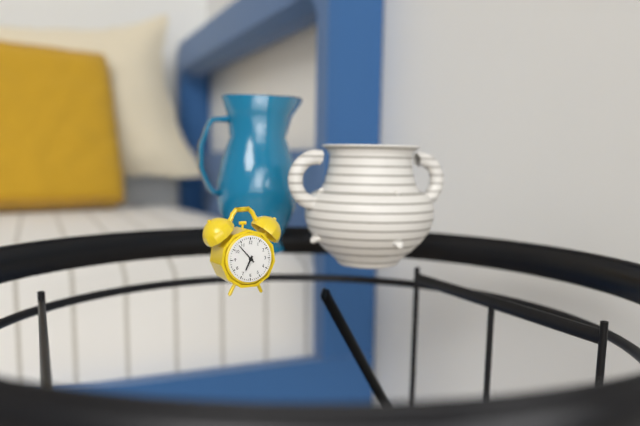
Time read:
6.53
